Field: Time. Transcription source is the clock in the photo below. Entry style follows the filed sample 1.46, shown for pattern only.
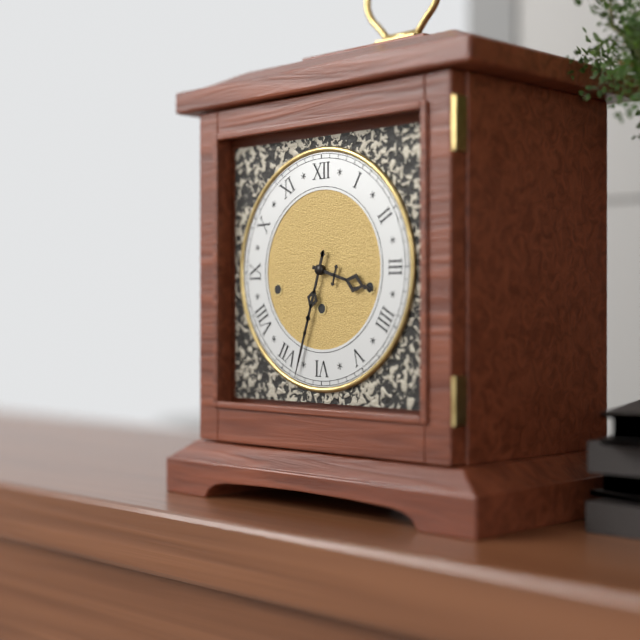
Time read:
3.33
